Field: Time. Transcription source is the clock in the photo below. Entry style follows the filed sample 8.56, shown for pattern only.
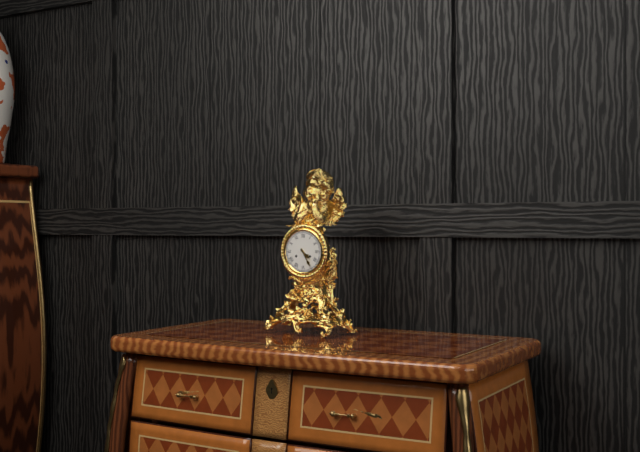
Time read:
4.25
